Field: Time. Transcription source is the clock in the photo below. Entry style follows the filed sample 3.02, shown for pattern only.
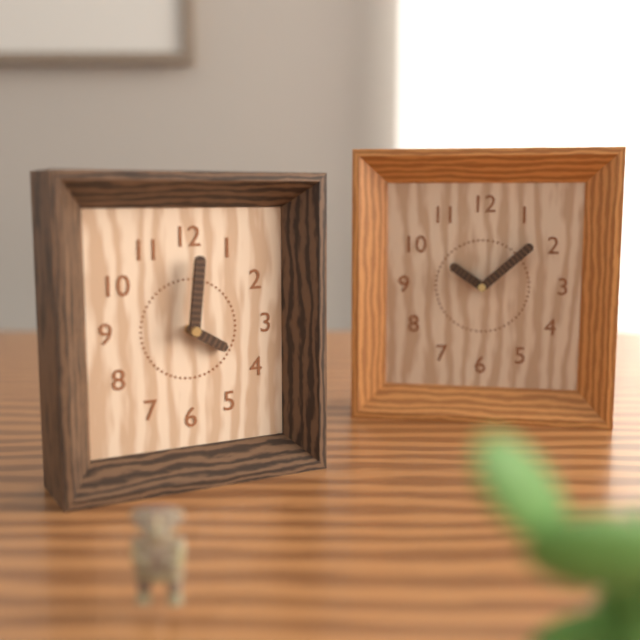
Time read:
4.01
